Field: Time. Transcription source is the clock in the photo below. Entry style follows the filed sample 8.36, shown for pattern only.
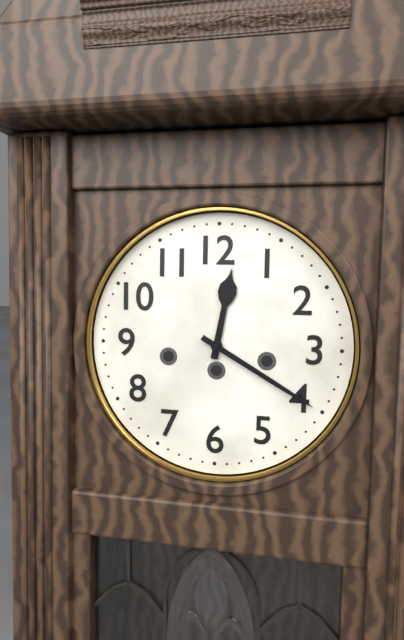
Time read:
12.20
